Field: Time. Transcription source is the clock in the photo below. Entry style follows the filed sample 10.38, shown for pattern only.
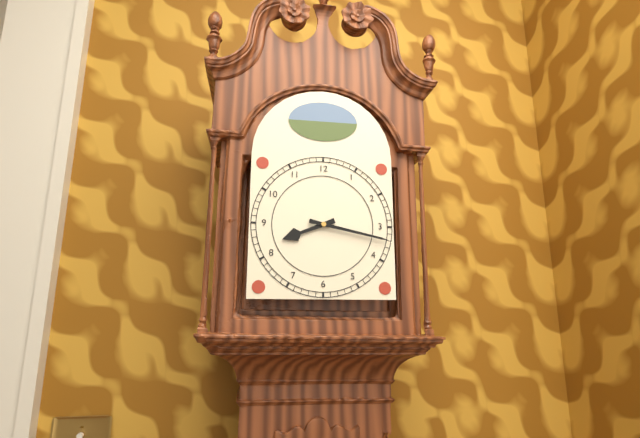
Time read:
8.17
